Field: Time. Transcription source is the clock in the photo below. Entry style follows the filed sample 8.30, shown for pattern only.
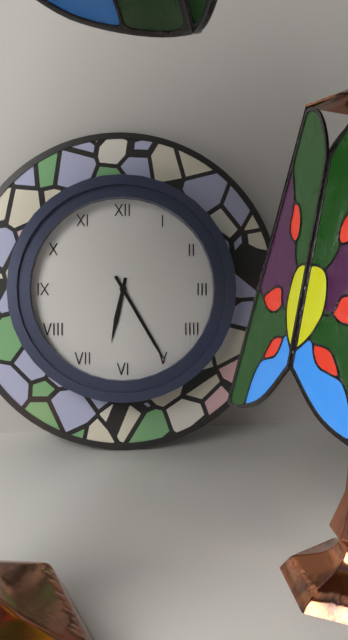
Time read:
6.25
